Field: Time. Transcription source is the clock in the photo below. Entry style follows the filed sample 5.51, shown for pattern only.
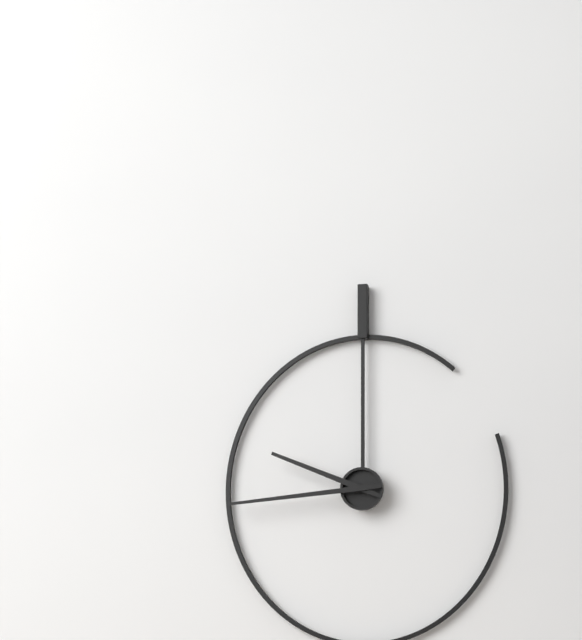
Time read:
9.44
